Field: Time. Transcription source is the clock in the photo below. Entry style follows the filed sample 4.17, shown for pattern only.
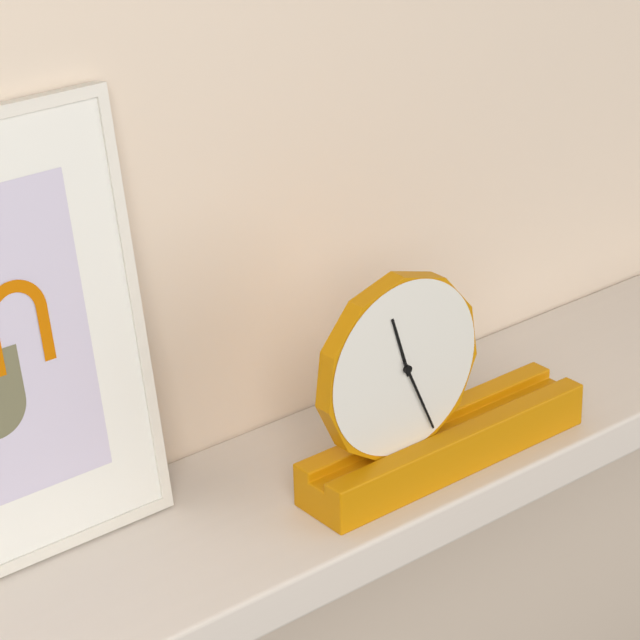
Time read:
11.26
